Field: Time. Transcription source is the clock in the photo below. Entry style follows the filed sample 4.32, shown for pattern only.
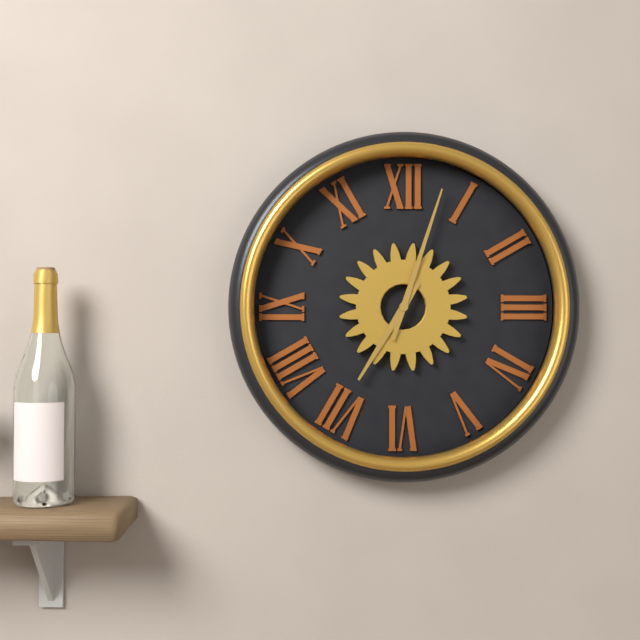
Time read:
7.03
